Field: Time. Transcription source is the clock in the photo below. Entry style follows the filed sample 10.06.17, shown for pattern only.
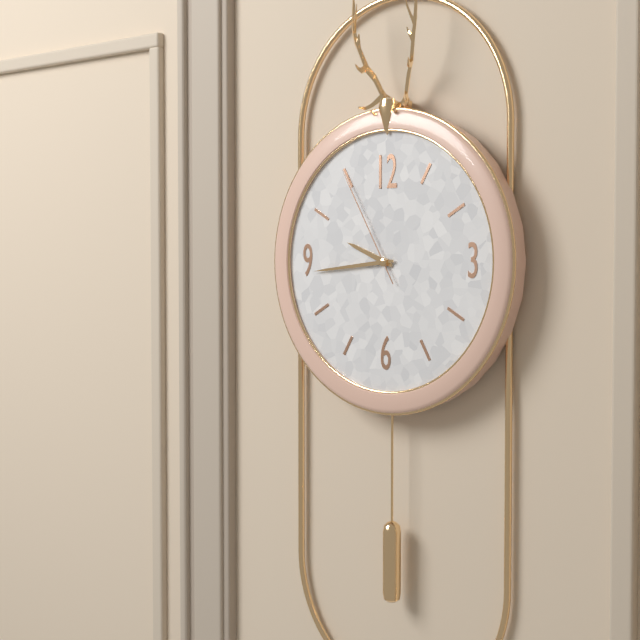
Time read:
9.44.55
